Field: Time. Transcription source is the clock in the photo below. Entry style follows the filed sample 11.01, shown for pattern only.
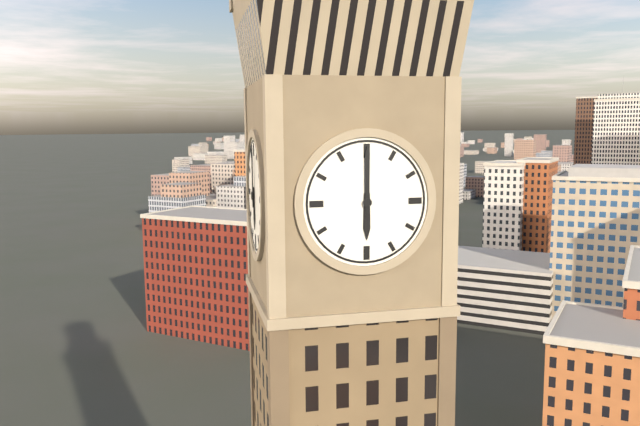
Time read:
6.00
